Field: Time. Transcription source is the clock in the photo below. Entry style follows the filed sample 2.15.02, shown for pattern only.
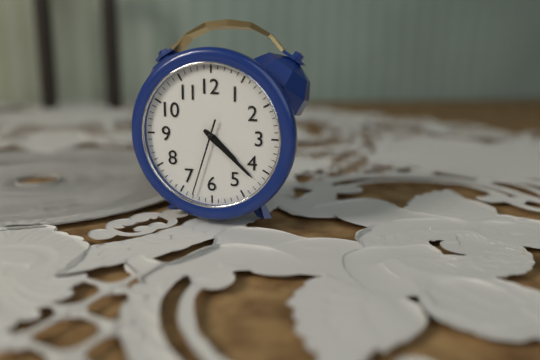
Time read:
4.22.33
